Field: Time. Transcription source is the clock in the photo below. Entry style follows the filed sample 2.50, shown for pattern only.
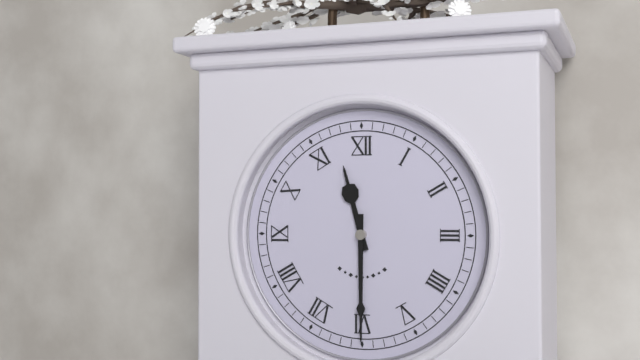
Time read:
11.30
